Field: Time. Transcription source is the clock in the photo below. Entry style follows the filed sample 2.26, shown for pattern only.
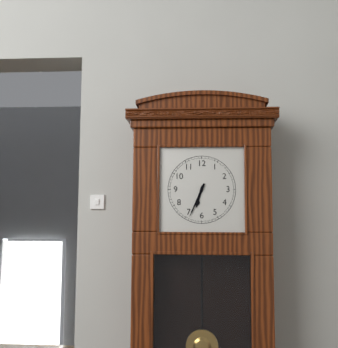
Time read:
6.34
